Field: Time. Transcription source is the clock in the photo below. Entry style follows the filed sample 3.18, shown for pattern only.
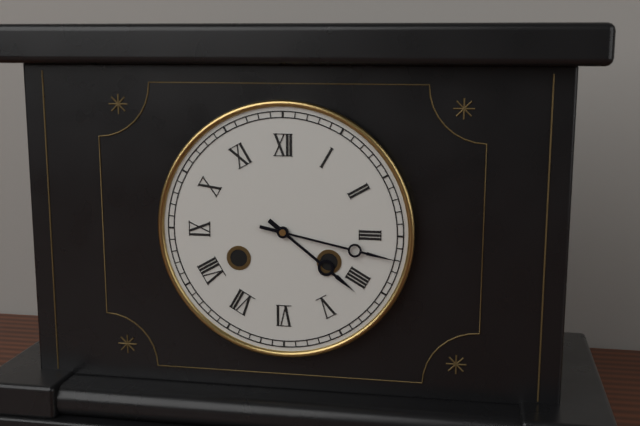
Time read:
4.17
